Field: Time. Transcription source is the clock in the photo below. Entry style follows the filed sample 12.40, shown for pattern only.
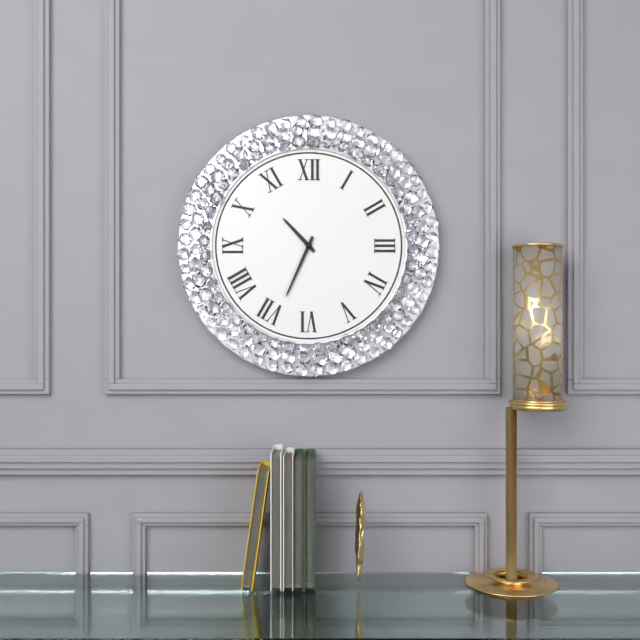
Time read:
10.34
